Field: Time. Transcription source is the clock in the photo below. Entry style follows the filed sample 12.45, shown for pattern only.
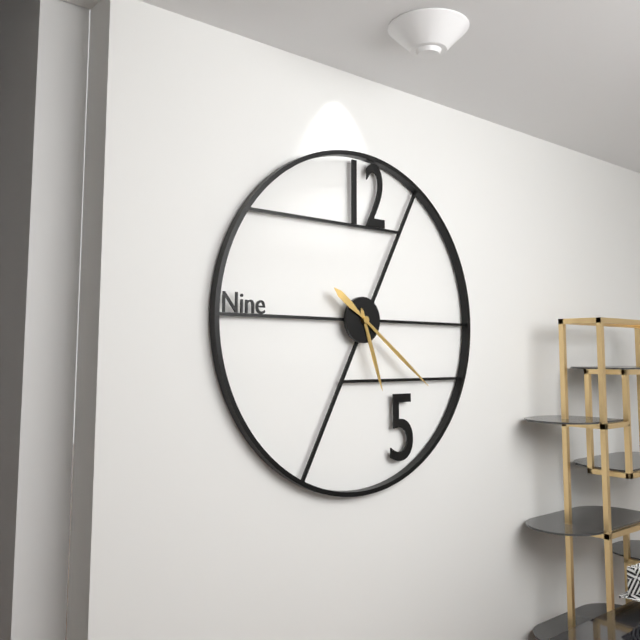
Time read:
5.21
